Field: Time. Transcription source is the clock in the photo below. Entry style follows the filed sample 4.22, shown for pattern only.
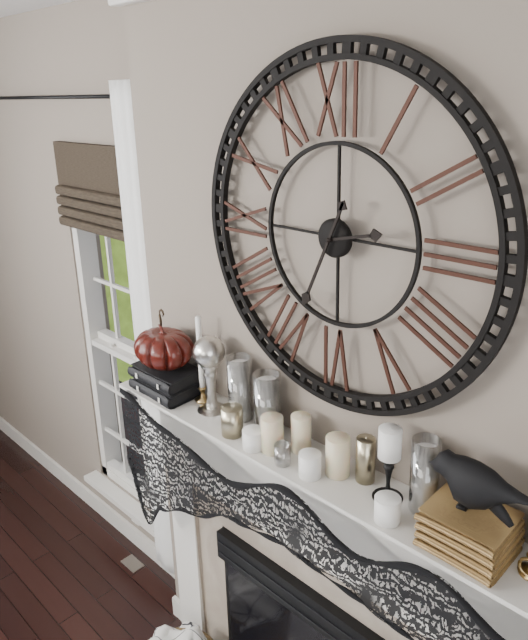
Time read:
2.34
